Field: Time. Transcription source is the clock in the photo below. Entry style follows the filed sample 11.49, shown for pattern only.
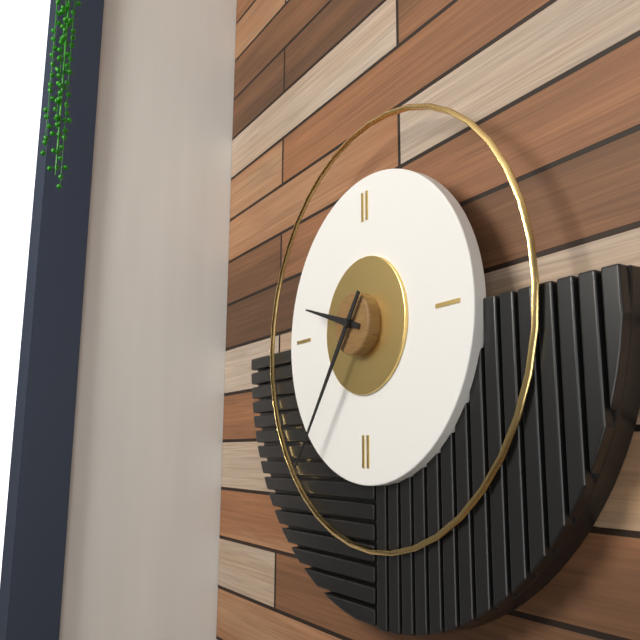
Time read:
9.36
